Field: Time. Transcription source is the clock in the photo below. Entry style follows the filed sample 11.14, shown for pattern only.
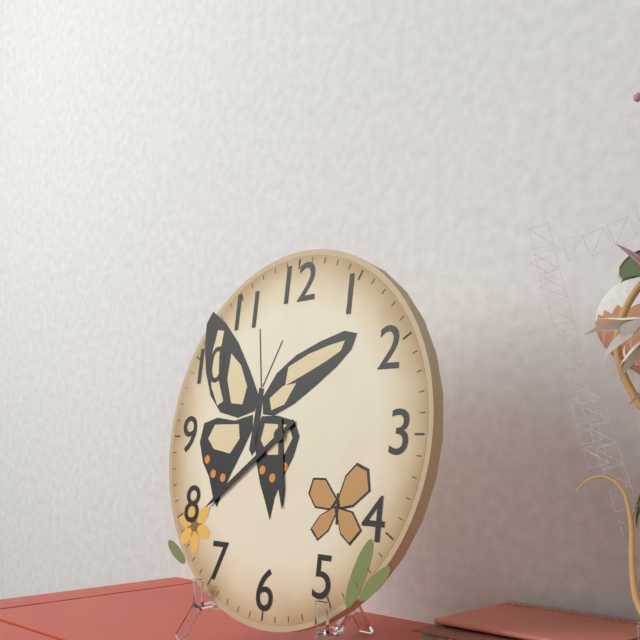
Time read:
5.39
